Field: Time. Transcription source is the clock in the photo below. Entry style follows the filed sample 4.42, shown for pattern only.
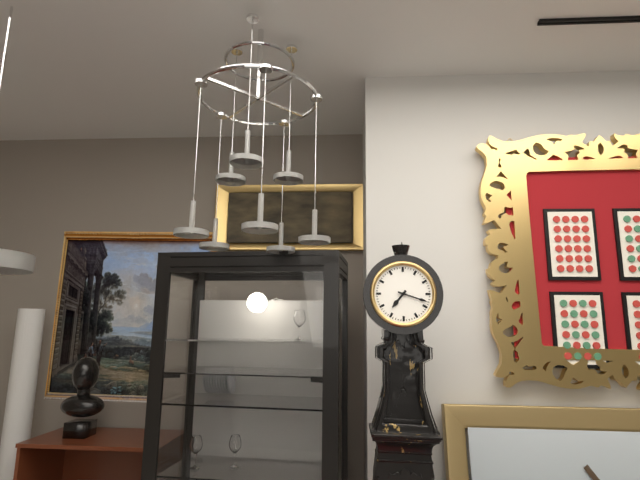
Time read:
7.18
